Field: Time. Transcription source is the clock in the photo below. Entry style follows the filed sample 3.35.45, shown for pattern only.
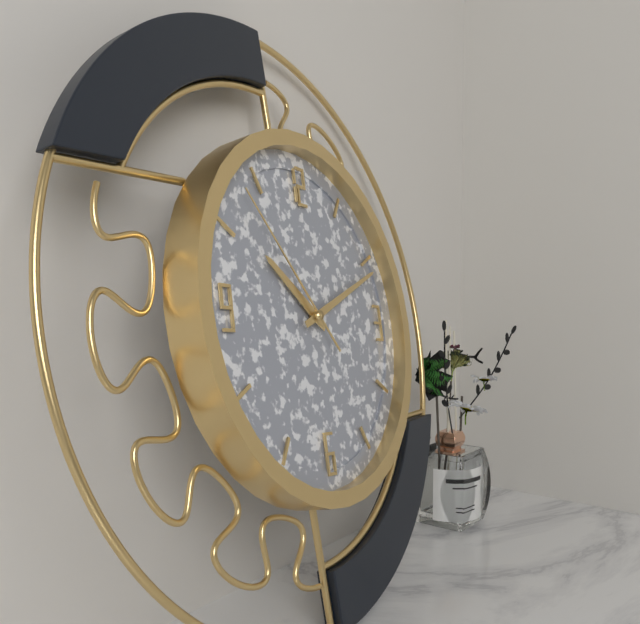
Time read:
10.11.53
